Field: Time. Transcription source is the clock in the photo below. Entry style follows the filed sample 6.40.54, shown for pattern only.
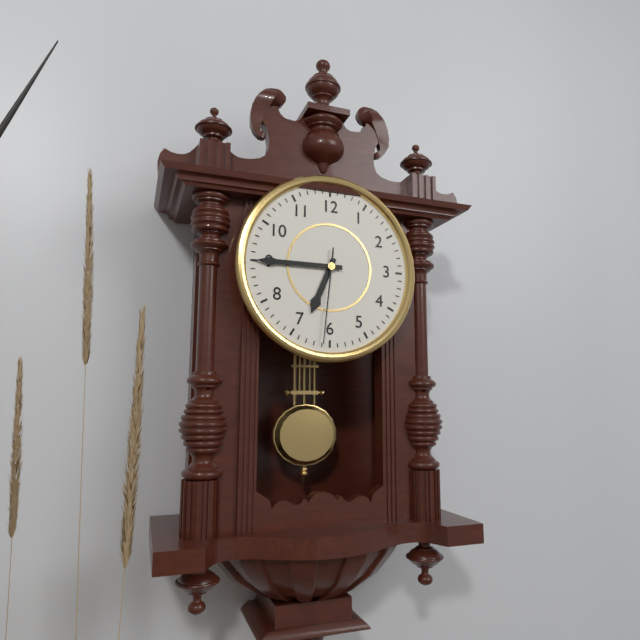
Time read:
6.45.31
